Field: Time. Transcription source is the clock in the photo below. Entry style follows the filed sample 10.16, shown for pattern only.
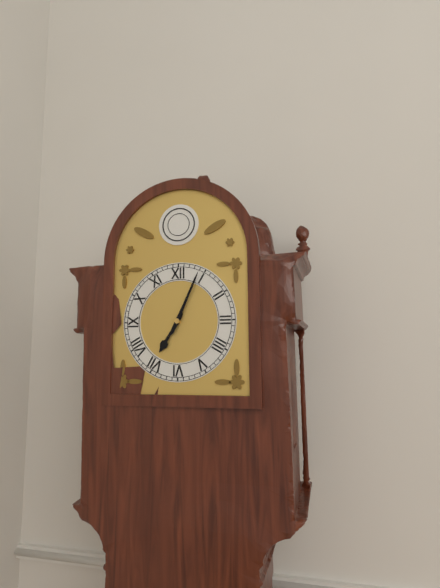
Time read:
7.04
